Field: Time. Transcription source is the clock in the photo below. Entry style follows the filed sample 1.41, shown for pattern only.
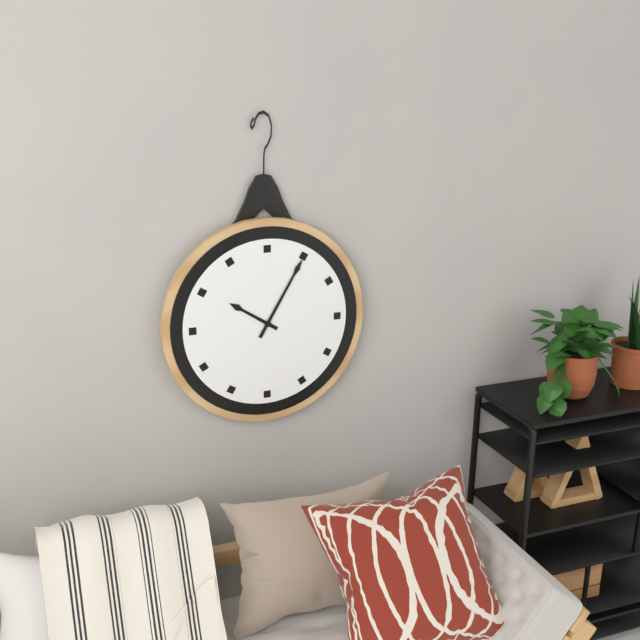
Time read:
10.05
